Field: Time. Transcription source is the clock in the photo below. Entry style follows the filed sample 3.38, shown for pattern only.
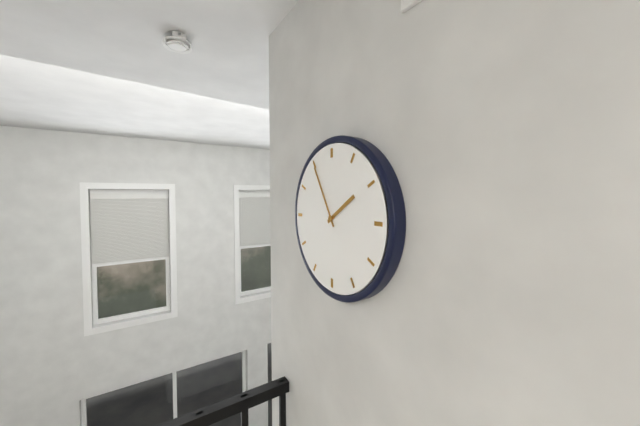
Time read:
1.55
